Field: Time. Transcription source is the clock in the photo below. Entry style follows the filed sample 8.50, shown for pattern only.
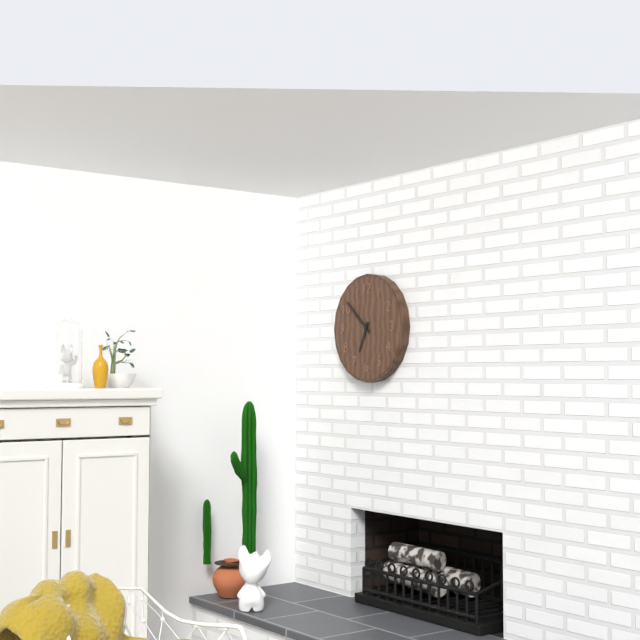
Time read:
6.52
